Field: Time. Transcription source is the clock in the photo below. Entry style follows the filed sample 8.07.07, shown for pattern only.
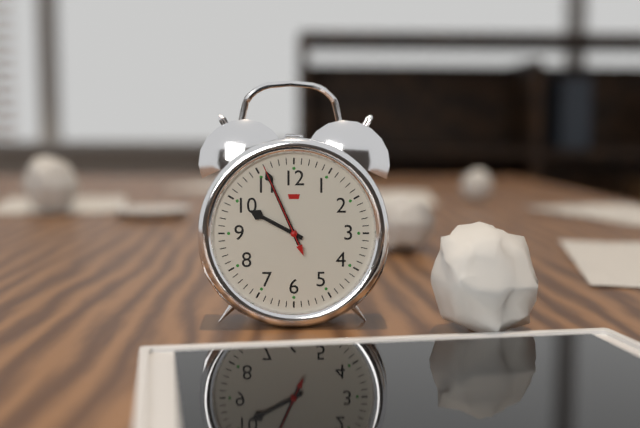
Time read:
9.56.56
